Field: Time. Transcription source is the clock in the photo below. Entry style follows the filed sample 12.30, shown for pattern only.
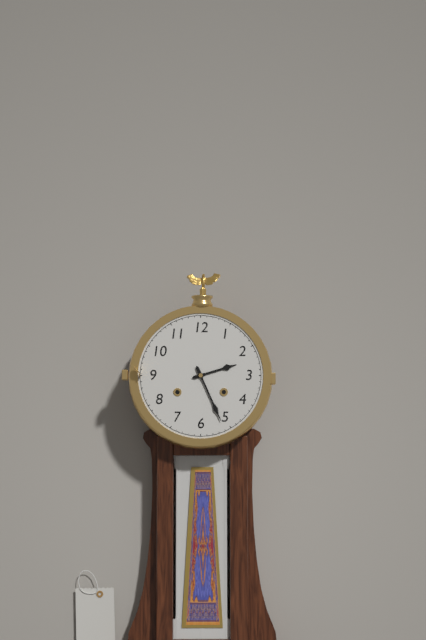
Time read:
2.26
